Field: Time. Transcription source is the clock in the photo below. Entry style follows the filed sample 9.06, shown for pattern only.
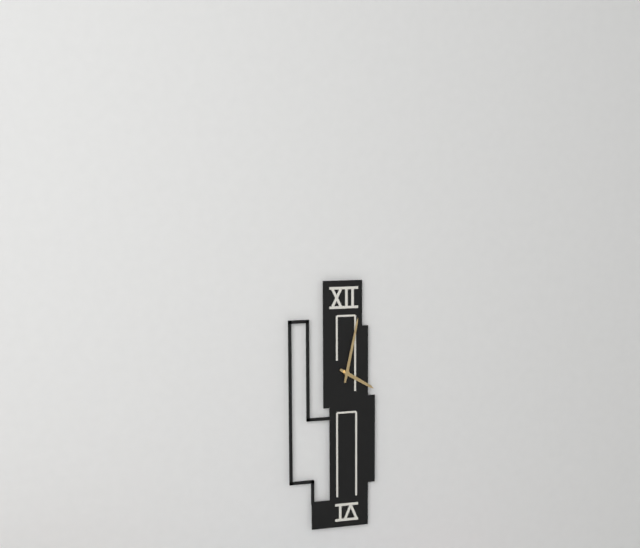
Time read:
4.02
